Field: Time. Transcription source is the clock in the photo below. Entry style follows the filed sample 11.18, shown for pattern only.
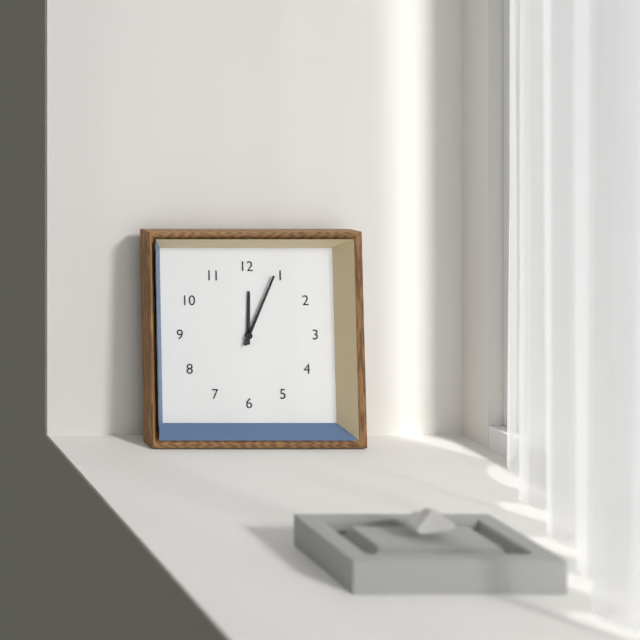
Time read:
12.04
